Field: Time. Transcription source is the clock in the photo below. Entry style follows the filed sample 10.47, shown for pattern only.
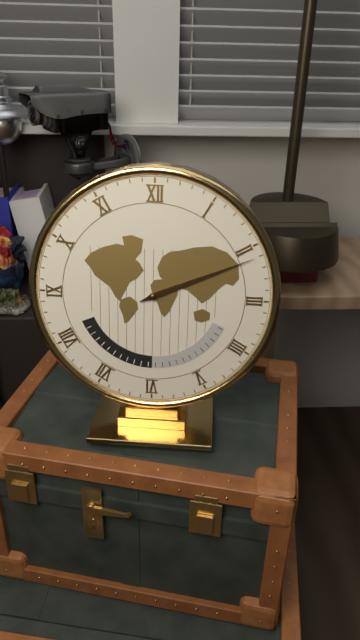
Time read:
2.11
